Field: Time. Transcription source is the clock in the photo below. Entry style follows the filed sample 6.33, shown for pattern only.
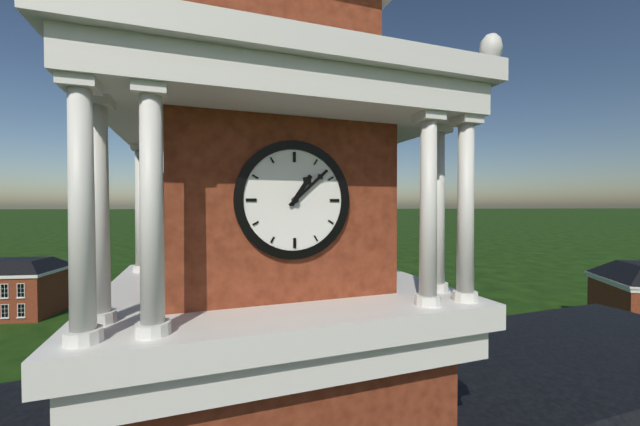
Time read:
1.08
